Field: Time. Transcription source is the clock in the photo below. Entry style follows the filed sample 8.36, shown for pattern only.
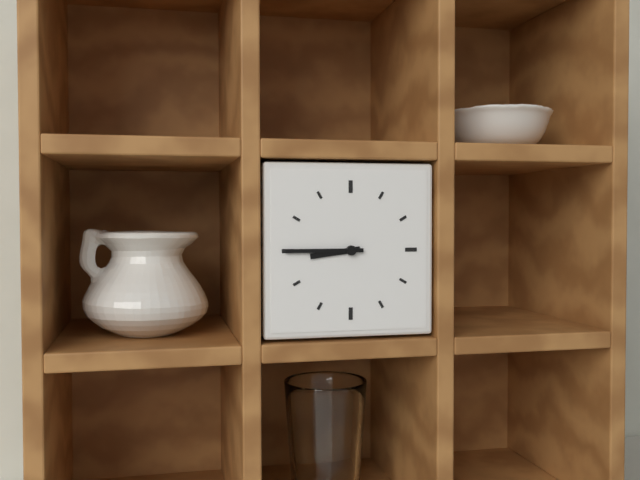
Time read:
8.45
